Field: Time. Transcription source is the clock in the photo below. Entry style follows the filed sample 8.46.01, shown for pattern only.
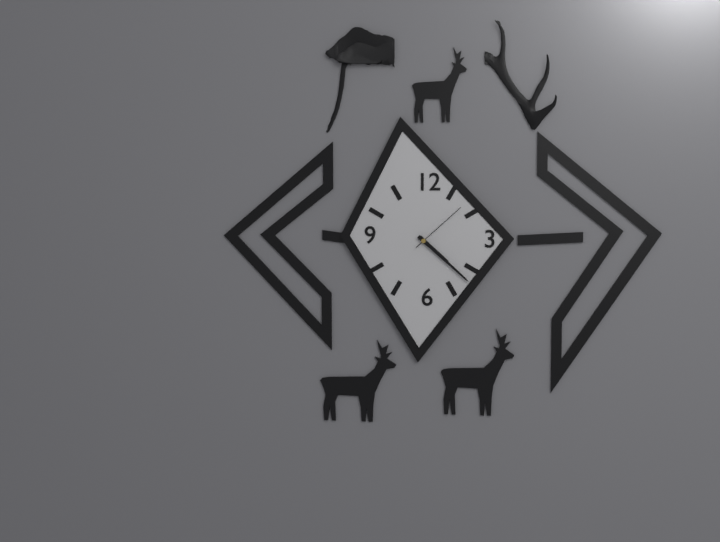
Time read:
4.22.08
